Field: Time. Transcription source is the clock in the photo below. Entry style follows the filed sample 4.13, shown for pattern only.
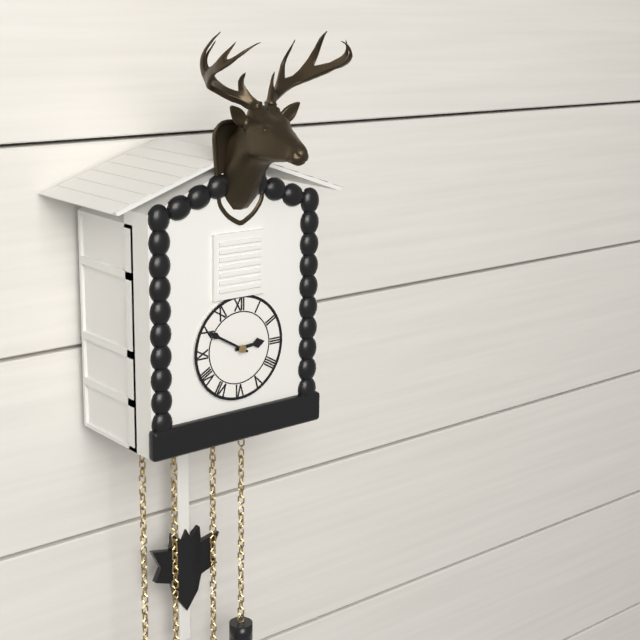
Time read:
2.50
